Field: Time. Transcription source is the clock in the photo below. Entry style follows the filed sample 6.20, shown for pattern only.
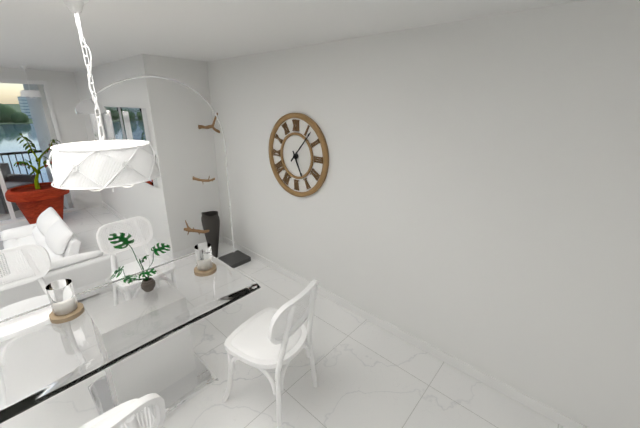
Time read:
5.07
